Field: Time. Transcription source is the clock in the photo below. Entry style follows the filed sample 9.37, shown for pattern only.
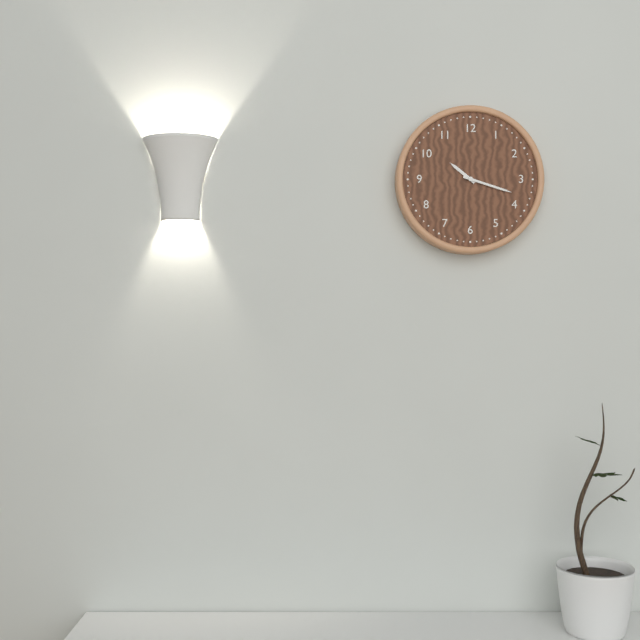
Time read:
10.18
